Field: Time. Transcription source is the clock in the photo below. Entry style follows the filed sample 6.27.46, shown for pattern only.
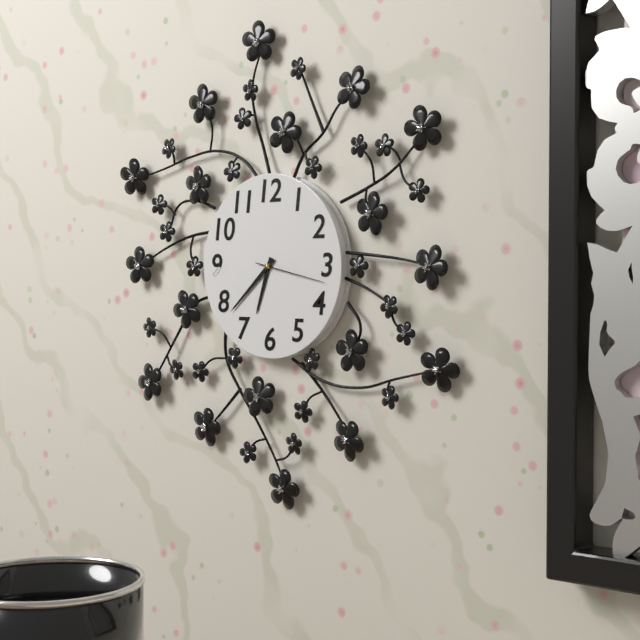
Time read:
6.38.17
